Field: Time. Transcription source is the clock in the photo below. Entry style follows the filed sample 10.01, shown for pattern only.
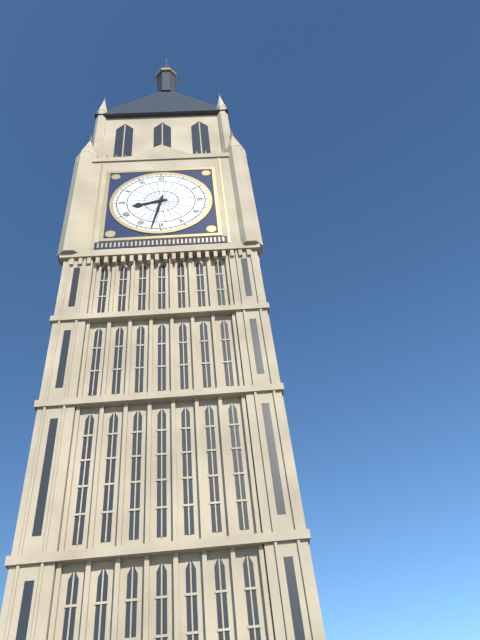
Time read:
8.32
